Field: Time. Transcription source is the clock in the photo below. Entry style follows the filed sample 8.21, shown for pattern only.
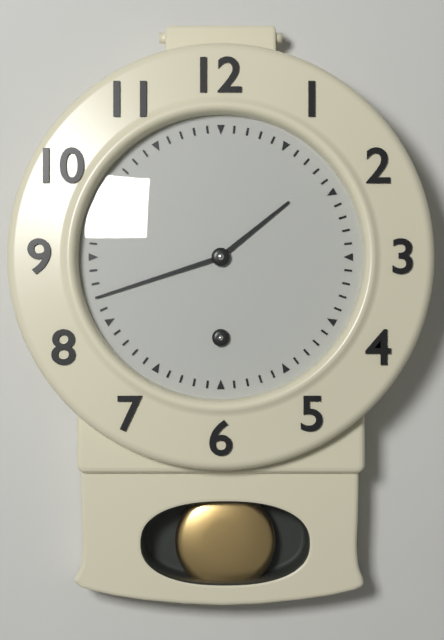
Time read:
1.42
